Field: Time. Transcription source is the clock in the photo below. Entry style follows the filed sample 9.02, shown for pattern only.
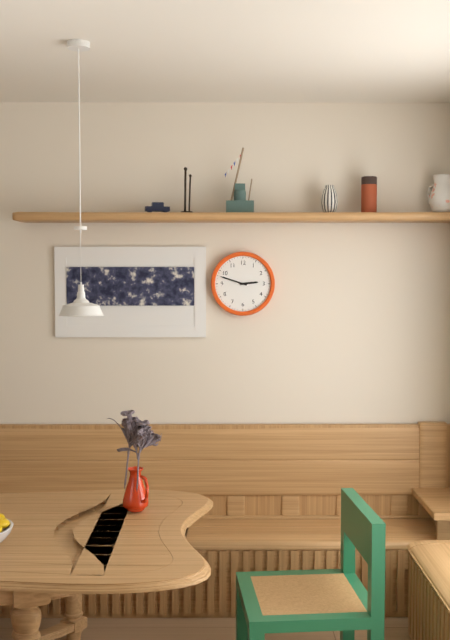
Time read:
2.48
